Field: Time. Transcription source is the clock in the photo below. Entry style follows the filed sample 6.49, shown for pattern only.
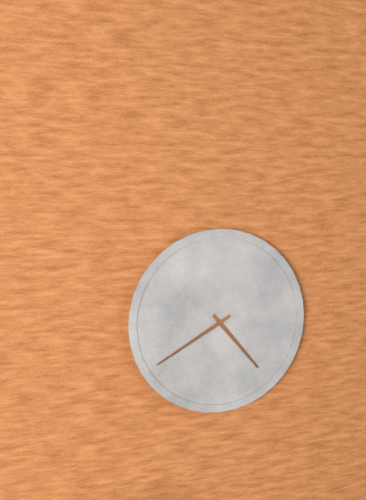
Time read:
4.40
